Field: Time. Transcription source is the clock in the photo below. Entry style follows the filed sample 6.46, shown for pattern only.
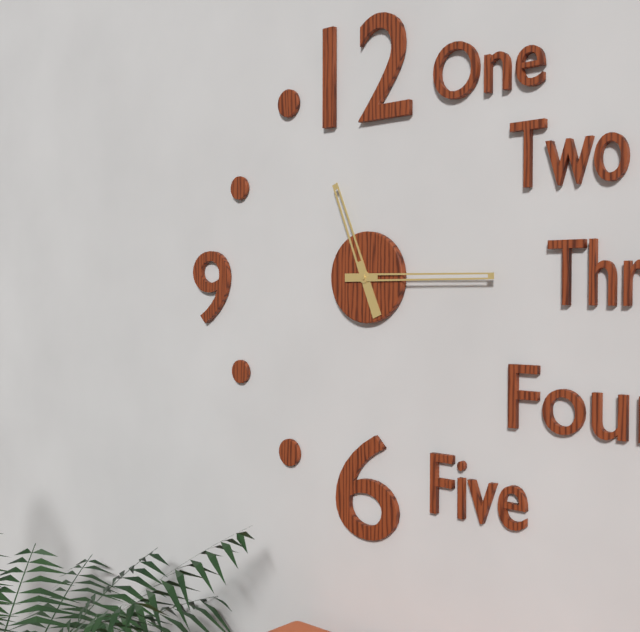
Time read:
11.15
